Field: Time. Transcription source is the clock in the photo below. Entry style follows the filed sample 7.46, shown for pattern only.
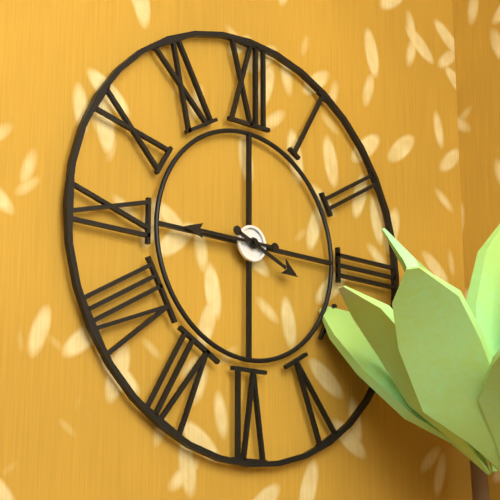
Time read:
3.45
